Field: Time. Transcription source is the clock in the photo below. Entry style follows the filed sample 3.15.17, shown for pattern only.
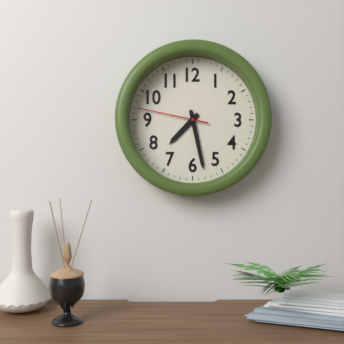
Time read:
7.28.47
